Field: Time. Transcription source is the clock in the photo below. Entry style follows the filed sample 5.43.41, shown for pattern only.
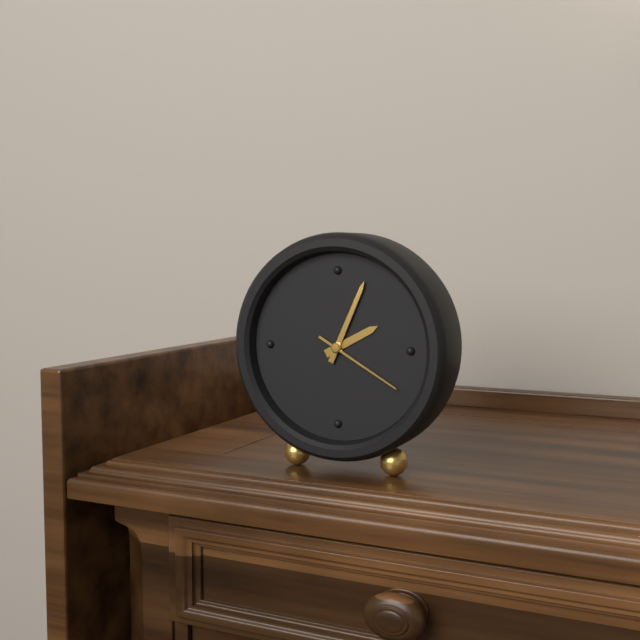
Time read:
2.04.20
